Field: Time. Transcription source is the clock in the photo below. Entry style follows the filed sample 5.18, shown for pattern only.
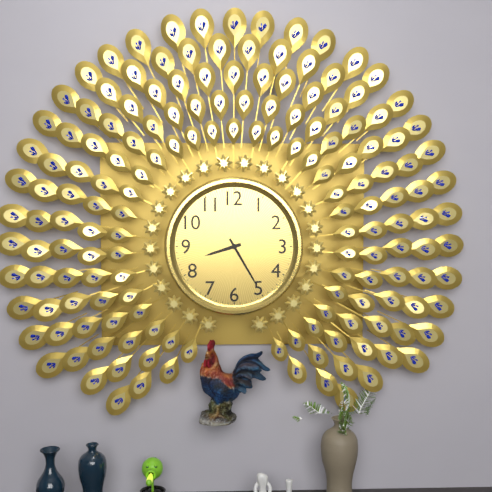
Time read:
8.25
